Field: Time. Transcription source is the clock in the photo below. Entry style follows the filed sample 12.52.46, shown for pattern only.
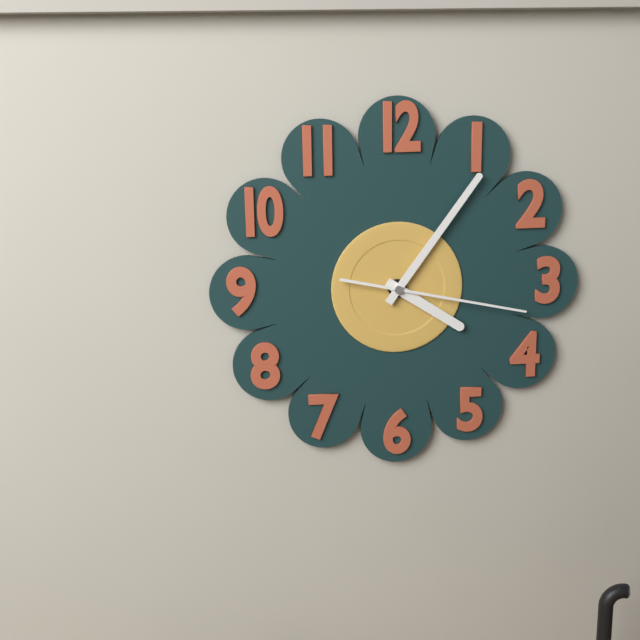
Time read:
4.06.17
